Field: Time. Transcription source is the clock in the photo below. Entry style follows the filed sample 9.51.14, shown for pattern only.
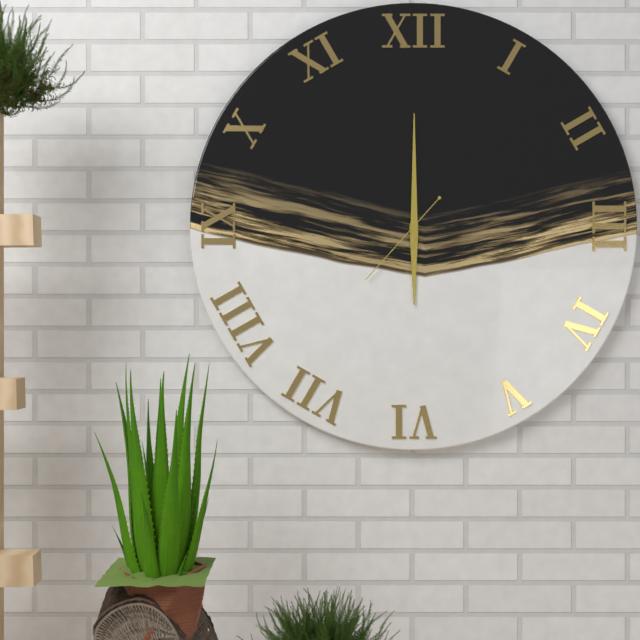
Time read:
6.00.37
